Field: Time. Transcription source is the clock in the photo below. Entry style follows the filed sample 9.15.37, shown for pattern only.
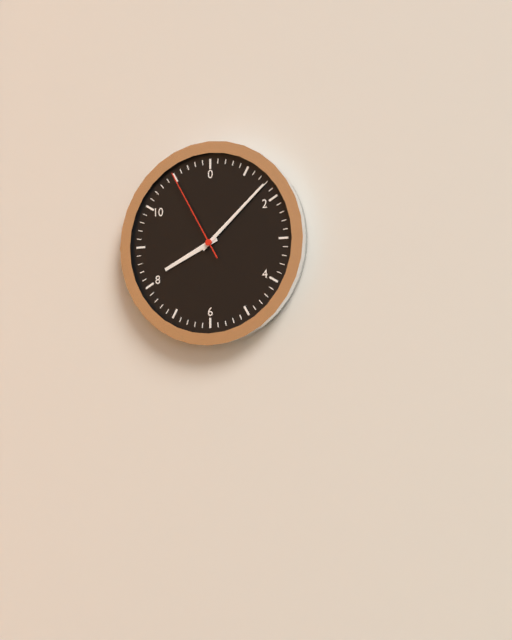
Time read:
8.08.55
